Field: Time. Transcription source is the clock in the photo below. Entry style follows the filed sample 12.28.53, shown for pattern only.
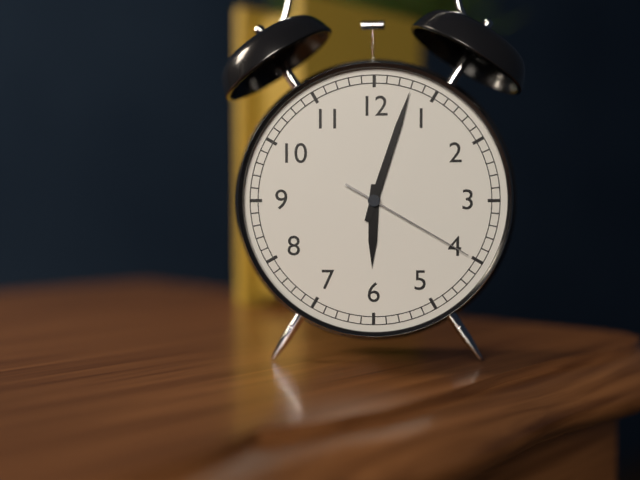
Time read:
6.03.20
